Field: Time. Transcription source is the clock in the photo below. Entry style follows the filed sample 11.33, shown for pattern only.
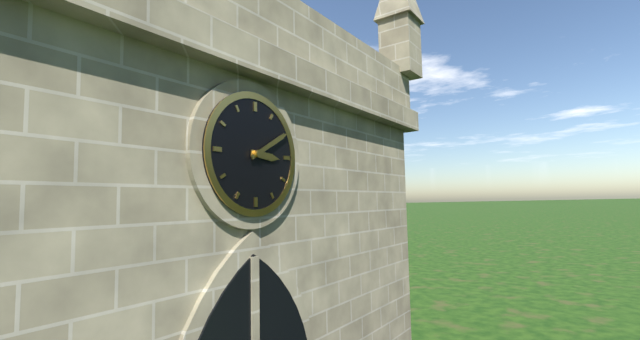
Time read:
3.10
